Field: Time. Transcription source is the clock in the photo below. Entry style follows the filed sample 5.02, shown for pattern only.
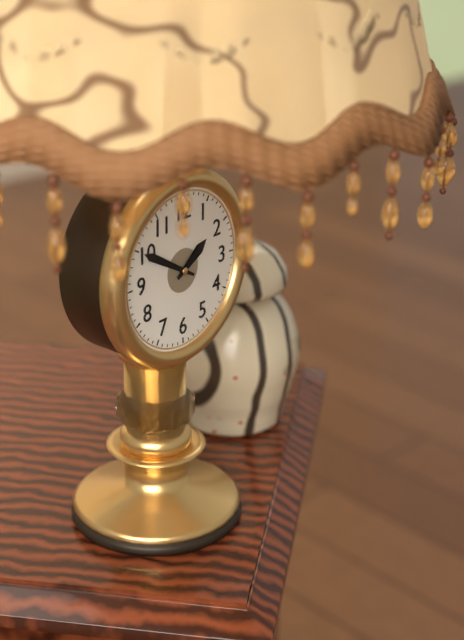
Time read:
1.50
